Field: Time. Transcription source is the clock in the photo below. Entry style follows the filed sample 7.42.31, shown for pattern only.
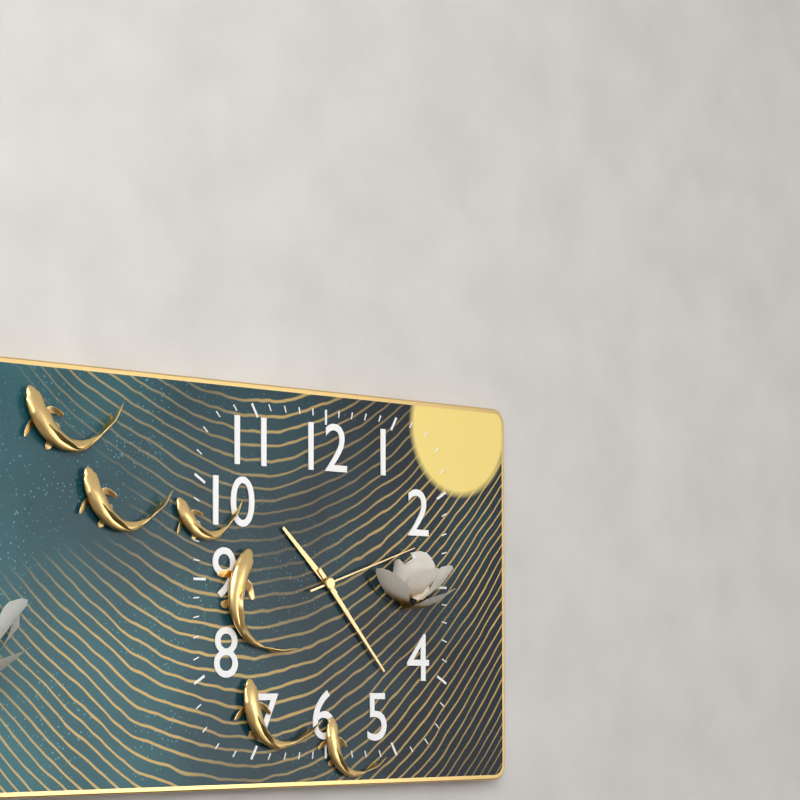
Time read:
10.23.12
